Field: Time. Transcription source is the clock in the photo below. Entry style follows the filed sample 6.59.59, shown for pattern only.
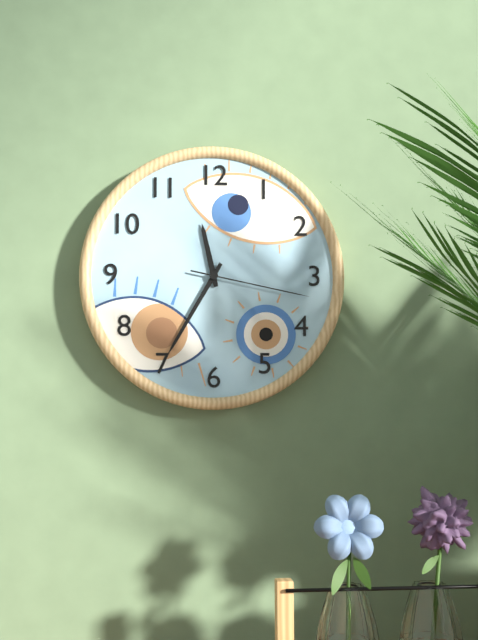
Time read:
11.35.17
